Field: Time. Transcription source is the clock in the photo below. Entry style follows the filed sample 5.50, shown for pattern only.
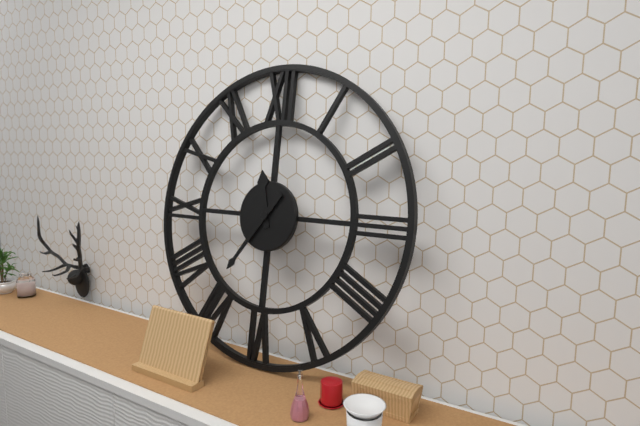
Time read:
11.36
